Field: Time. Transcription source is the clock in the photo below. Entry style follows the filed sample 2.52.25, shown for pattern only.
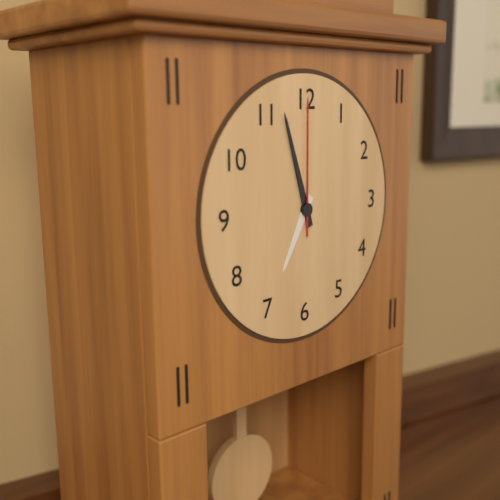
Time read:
6.57.00
